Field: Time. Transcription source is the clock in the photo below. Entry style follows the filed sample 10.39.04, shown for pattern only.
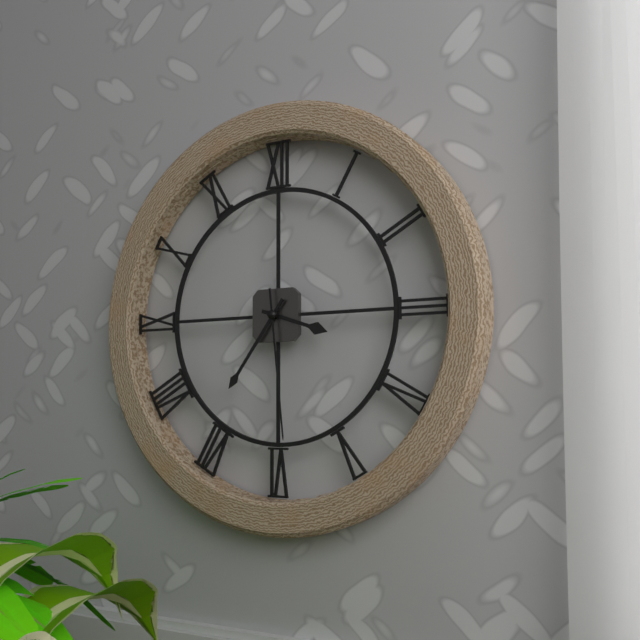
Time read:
3.36.29
